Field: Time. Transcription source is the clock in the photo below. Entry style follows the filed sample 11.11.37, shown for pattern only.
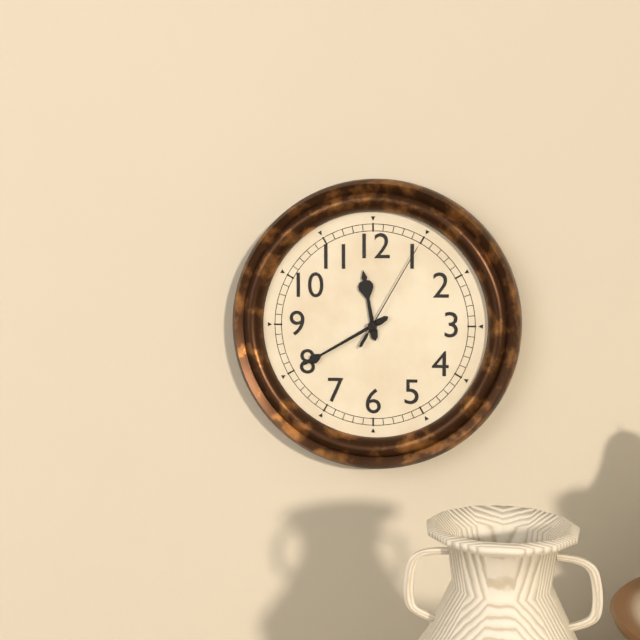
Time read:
11.40.05
